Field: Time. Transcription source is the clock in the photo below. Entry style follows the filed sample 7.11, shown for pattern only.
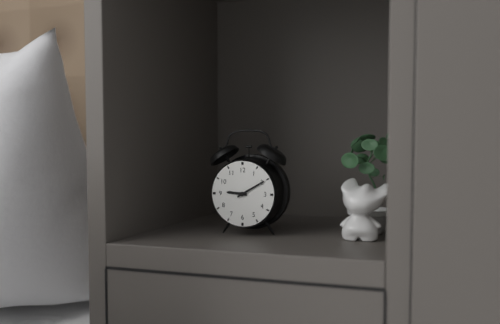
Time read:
9.10
